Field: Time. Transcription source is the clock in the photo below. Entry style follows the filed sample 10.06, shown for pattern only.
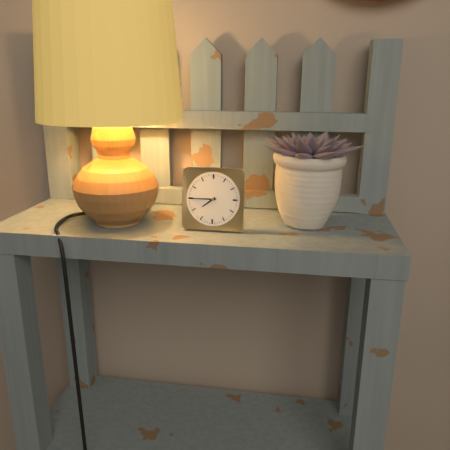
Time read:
7.45
